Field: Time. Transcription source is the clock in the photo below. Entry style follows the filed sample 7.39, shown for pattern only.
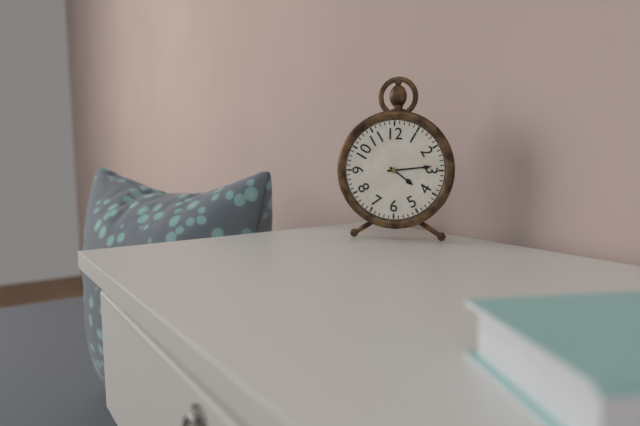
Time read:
4.14
